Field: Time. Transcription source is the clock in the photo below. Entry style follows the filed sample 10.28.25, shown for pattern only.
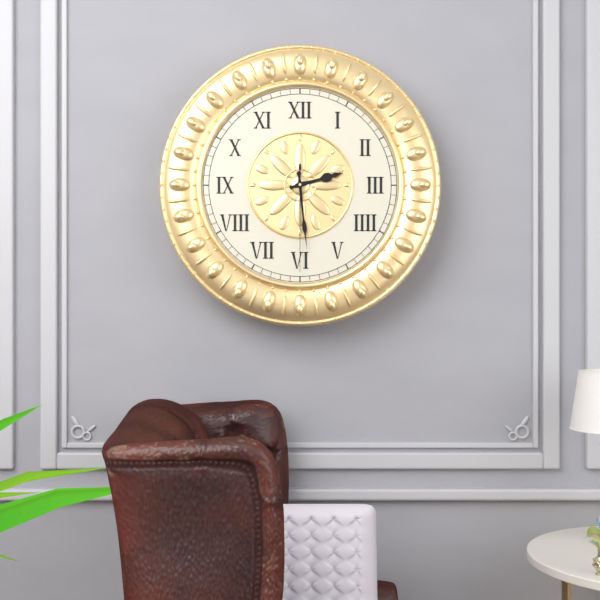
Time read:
2.29.30
